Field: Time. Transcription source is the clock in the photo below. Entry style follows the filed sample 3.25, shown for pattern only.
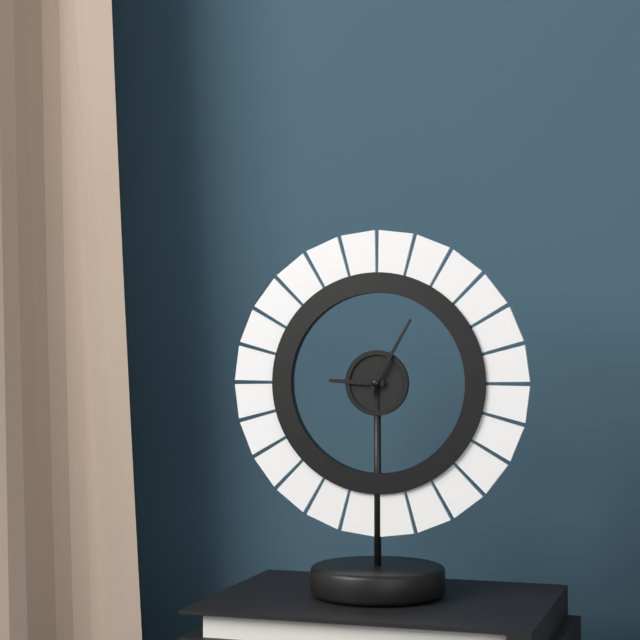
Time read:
9.05
